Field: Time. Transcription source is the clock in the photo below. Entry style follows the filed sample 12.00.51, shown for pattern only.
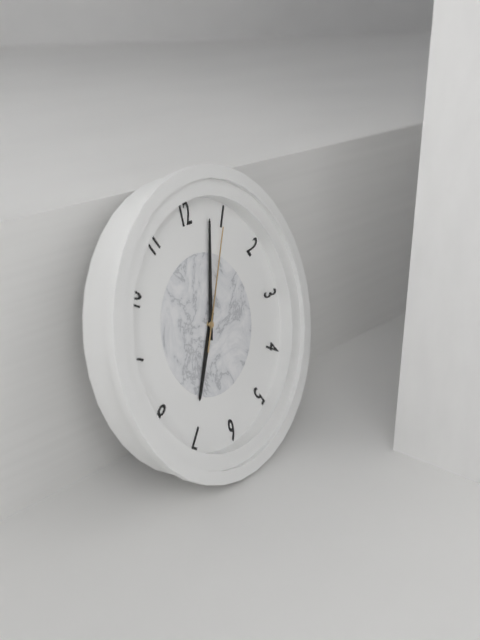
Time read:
7.03.05
